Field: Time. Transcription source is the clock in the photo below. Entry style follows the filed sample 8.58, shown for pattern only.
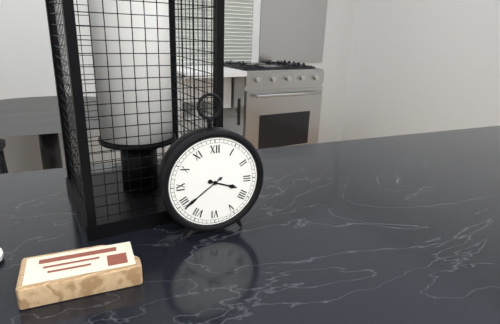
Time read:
3.39
